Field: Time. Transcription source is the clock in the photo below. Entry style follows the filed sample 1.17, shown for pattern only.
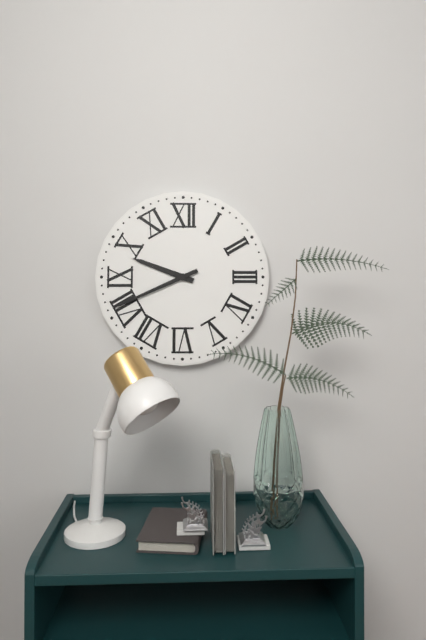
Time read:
9.41
